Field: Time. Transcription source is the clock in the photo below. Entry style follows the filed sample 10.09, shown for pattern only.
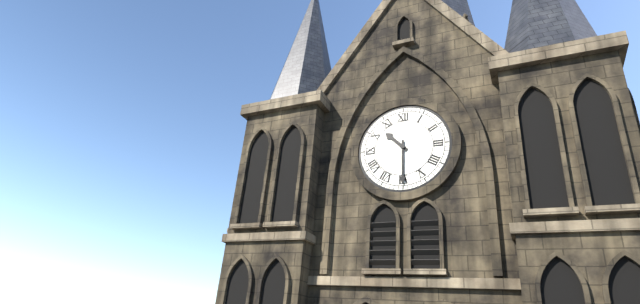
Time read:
10.30
